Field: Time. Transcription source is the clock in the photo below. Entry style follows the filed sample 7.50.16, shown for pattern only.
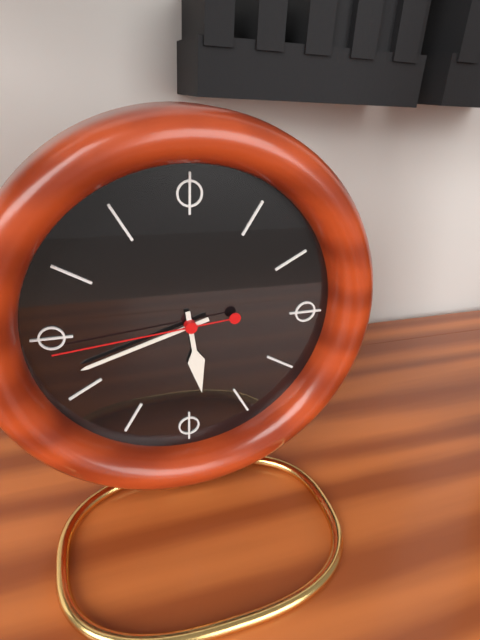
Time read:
5.42.44
